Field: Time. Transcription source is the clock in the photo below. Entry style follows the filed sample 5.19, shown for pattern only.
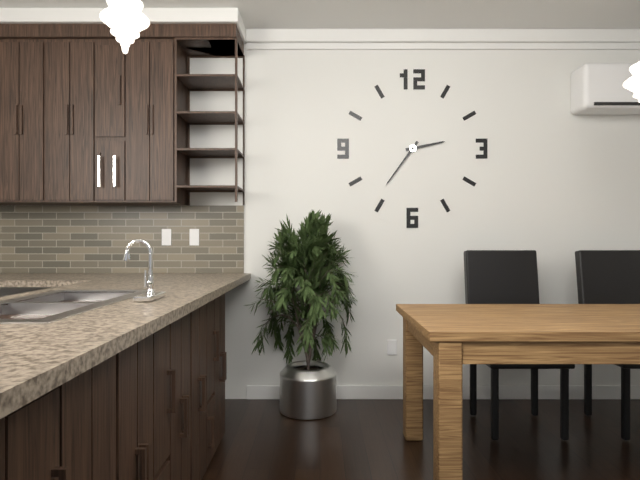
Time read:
2.36
